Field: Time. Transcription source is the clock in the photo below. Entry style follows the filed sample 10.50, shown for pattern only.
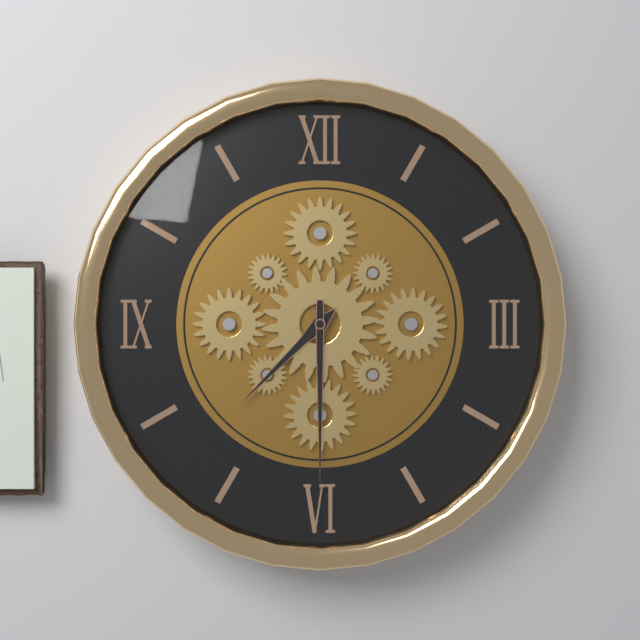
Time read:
7.30
